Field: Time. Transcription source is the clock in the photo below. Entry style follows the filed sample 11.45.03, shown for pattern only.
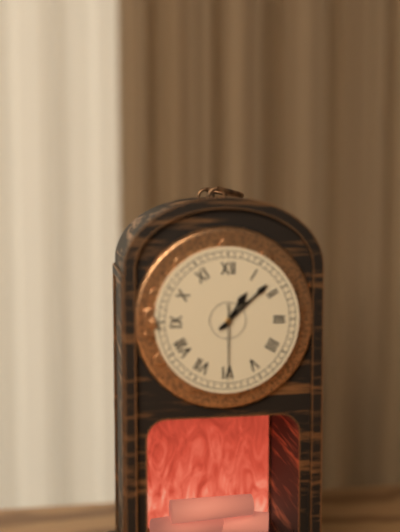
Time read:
1.08.30
